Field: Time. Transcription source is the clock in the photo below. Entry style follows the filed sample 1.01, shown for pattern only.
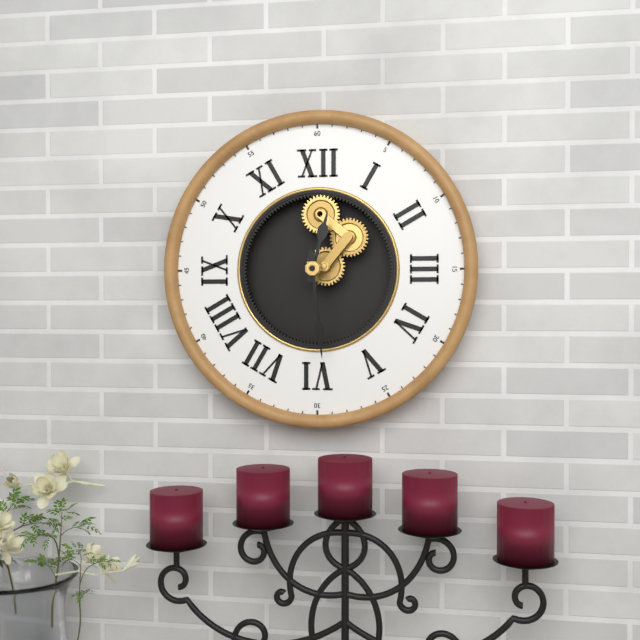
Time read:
12.29
